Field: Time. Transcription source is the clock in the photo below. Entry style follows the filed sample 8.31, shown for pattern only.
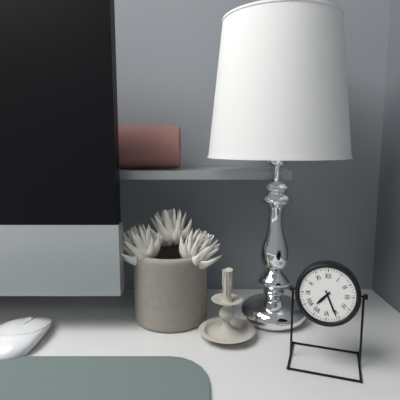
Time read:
7.26
